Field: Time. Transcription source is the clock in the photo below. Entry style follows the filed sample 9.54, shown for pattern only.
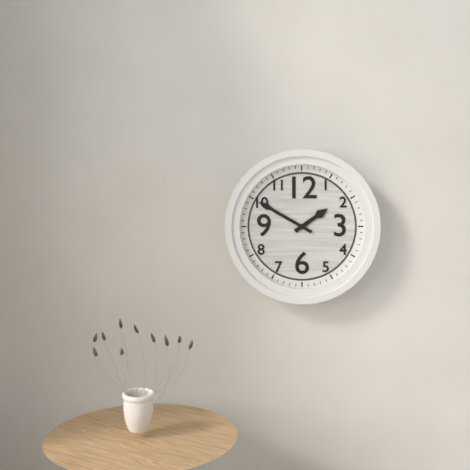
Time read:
1.50
